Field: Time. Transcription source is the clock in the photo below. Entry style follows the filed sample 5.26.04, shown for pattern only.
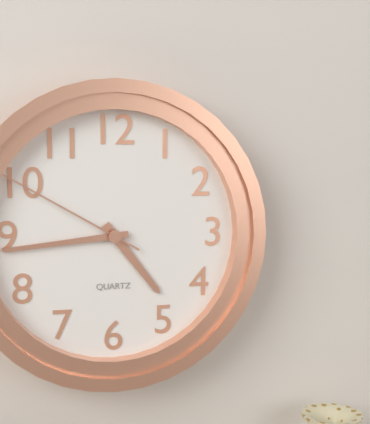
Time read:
4.44.50
